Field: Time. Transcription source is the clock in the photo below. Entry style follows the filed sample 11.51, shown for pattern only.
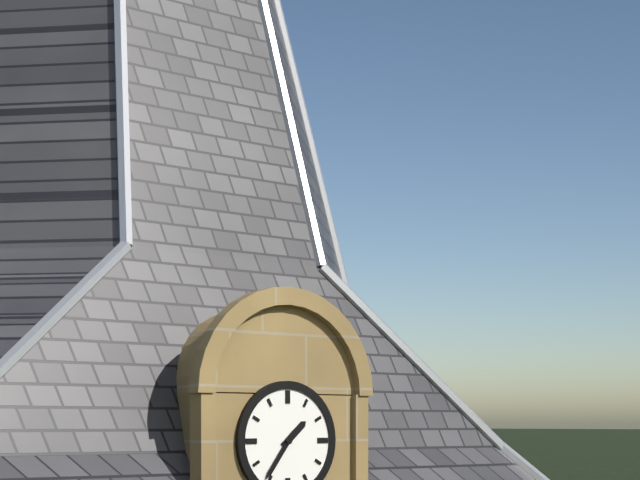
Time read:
1.36
